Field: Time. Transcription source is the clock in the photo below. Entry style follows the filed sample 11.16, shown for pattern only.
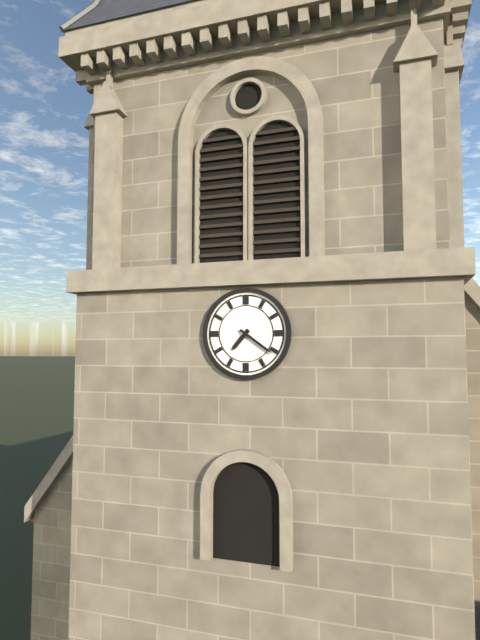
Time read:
7.21
